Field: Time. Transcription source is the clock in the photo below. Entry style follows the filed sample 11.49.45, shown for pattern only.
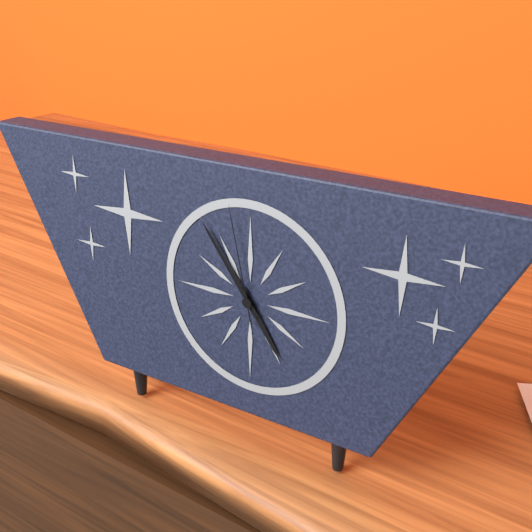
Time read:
4.54.58
